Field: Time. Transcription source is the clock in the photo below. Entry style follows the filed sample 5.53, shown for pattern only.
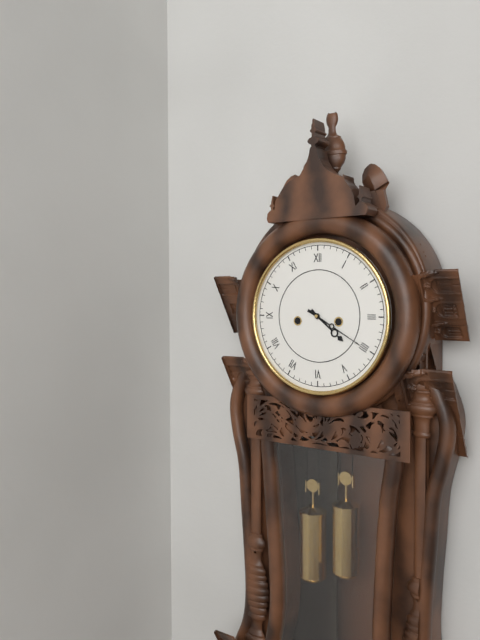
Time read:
4.20
